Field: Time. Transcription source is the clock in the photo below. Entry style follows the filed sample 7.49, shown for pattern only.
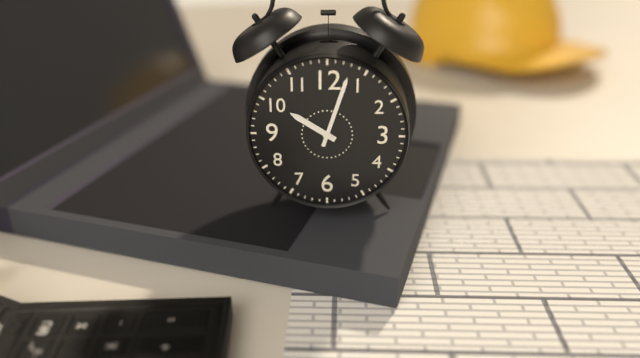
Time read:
10.03
